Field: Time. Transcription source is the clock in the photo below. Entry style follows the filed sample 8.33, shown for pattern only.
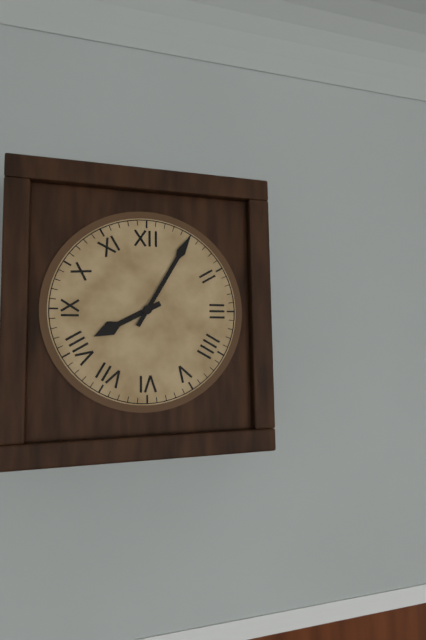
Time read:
8.05
